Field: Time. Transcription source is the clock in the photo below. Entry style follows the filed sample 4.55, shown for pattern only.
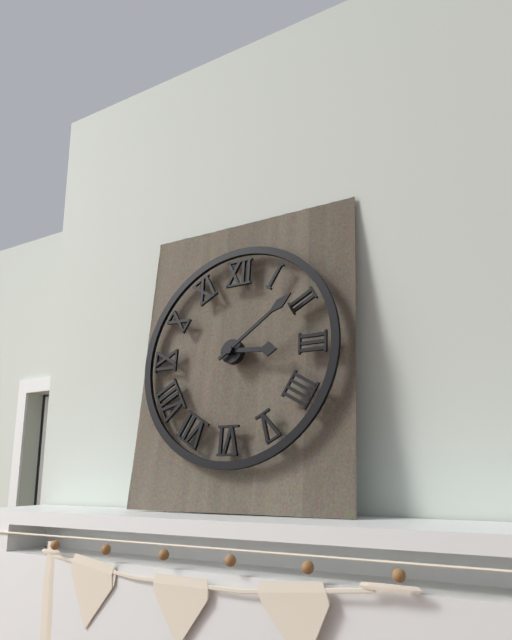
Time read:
3.09
